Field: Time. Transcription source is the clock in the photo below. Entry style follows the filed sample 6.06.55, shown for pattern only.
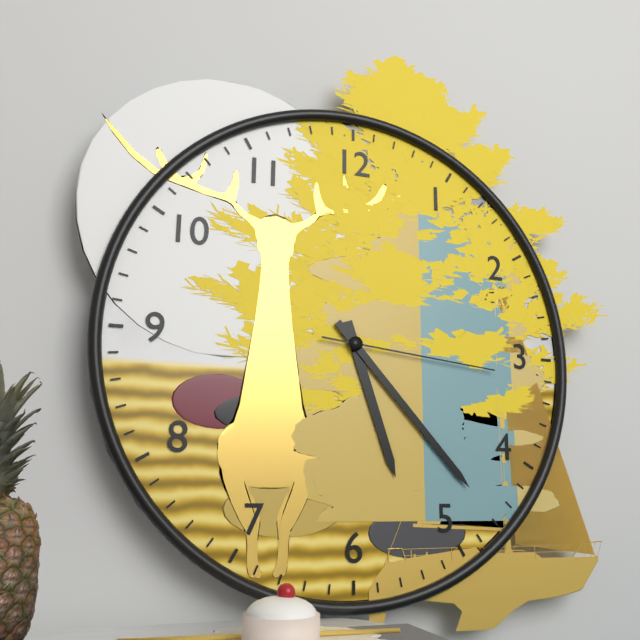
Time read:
5.23.16
